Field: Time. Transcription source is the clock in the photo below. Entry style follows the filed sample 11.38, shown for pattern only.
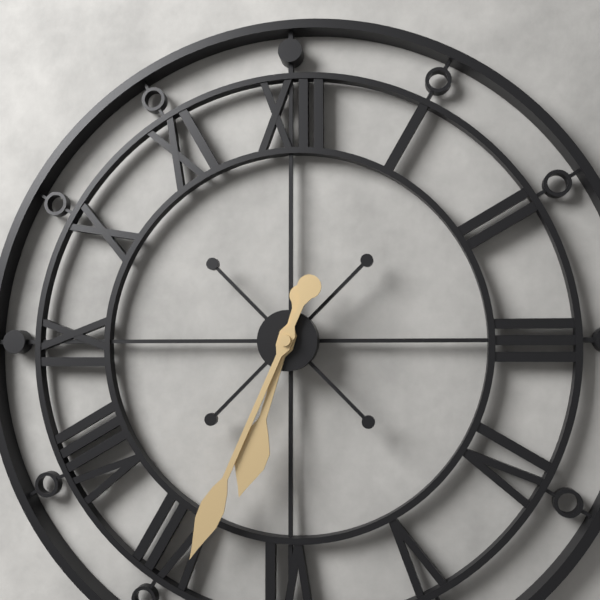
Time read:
6.34
